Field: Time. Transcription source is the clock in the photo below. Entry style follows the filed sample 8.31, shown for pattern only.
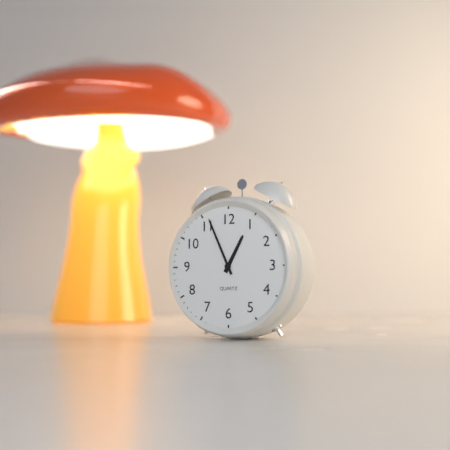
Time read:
12.56
